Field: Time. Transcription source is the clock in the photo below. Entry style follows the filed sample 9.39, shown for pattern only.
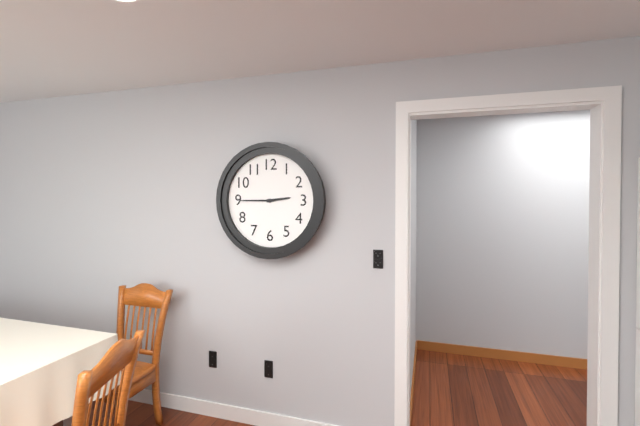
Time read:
2.45
